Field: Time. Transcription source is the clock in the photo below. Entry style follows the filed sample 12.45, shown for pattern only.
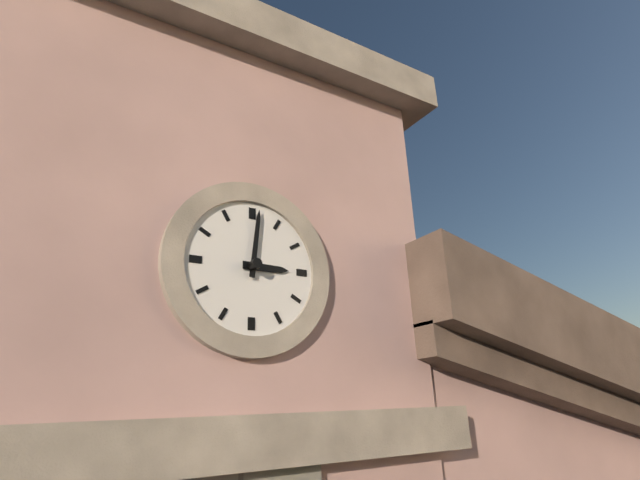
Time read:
3.01
